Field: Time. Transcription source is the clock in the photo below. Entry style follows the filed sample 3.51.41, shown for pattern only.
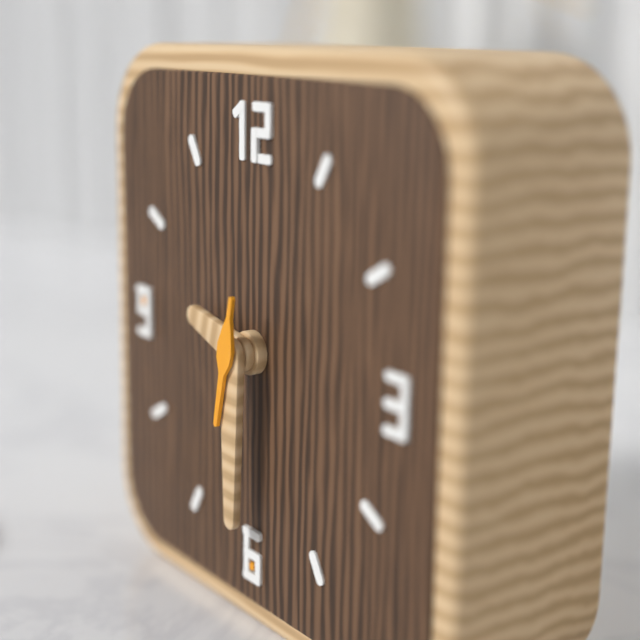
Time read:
9.30.32
